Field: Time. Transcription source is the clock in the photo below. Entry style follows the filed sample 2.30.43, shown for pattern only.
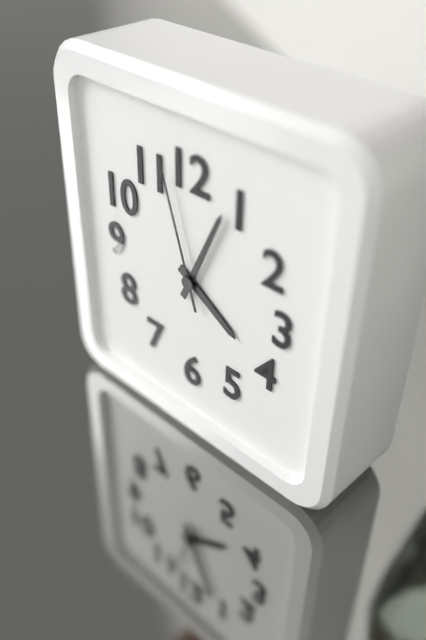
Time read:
4.04.57
